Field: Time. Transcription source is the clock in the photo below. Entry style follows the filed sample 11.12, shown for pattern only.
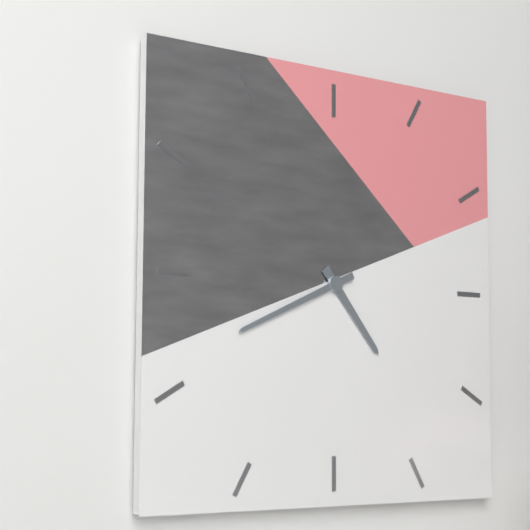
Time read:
4.41
